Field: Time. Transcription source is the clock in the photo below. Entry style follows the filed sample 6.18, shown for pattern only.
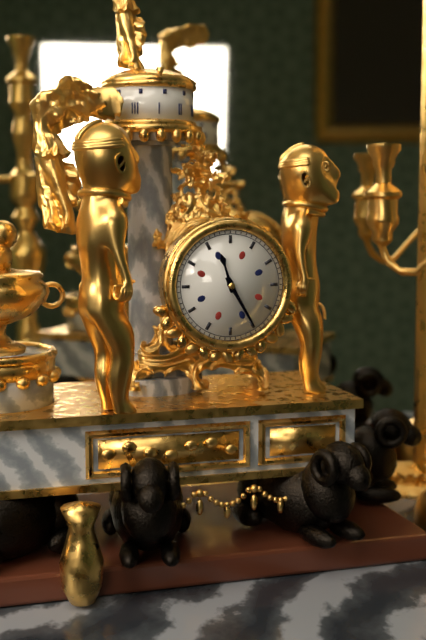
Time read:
11.25
